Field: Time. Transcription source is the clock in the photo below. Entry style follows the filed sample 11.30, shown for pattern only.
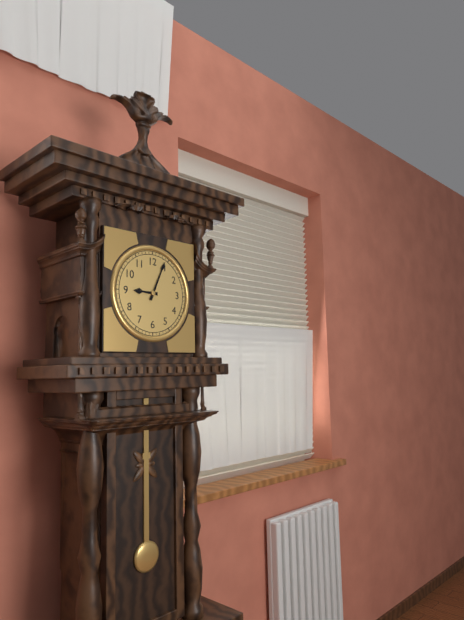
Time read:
9.04
